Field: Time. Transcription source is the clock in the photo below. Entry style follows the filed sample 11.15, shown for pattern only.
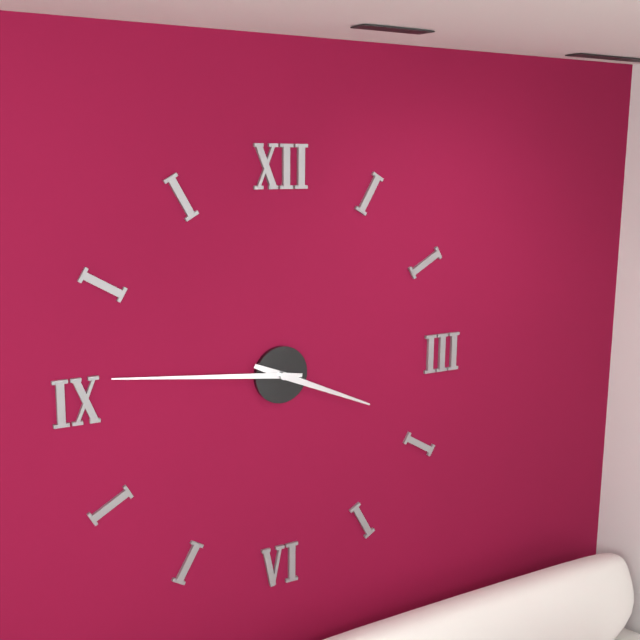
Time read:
3.46
